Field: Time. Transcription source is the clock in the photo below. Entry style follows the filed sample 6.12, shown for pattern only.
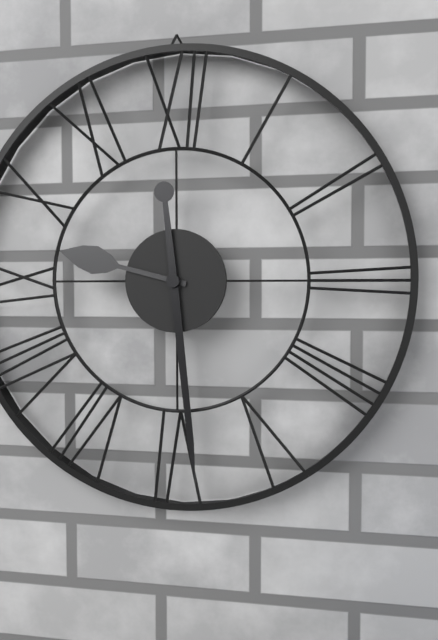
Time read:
9.29
